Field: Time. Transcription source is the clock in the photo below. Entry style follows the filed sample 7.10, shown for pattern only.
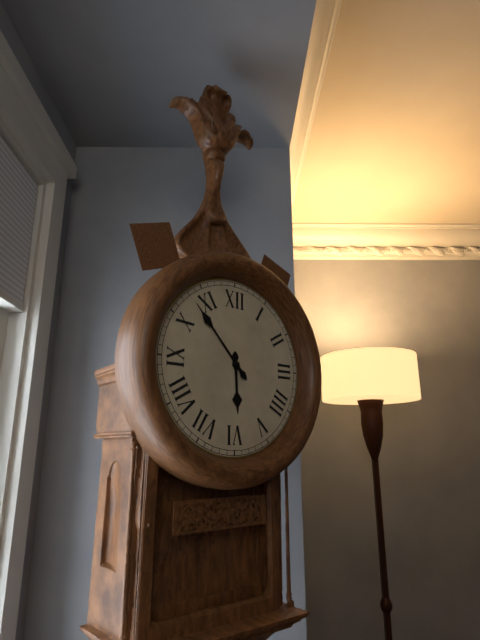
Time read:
5.53
